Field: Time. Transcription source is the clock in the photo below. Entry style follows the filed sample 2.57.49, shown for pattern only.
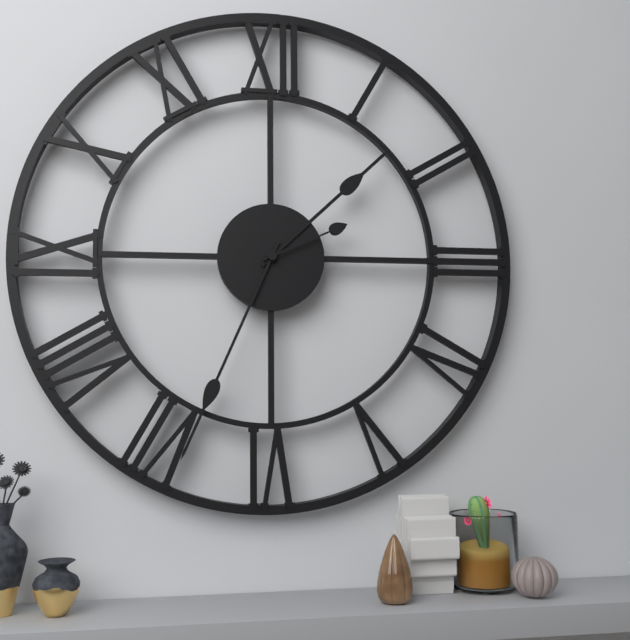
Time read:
1.34.11
